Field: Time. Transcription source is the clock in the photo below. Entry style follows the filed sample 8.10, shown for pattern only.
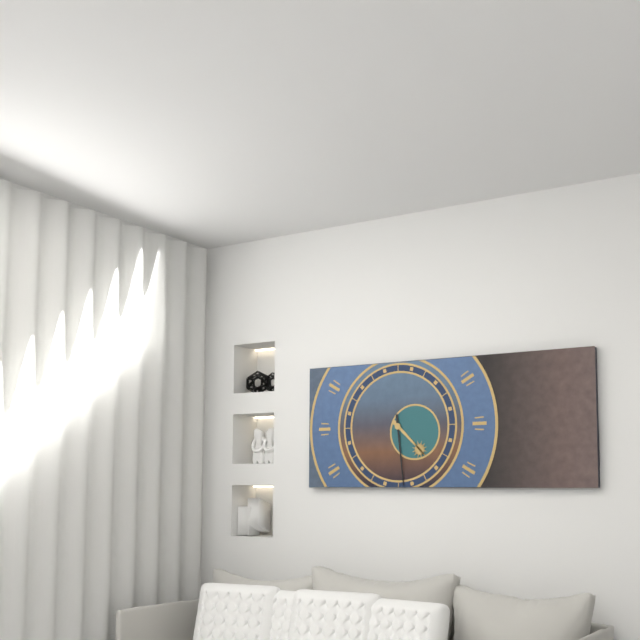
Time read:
4.29
